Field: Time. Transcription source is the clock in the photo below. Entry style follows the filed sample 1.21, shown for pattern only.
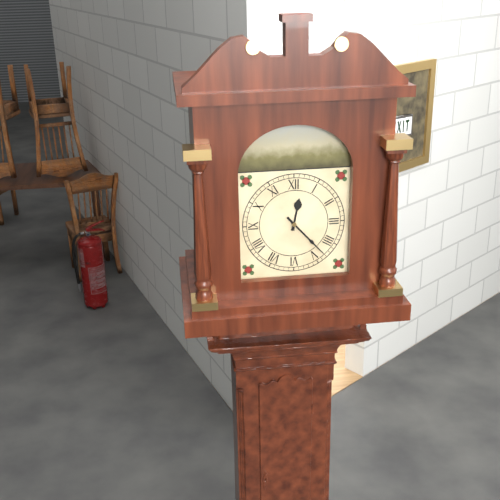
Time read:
12.23
